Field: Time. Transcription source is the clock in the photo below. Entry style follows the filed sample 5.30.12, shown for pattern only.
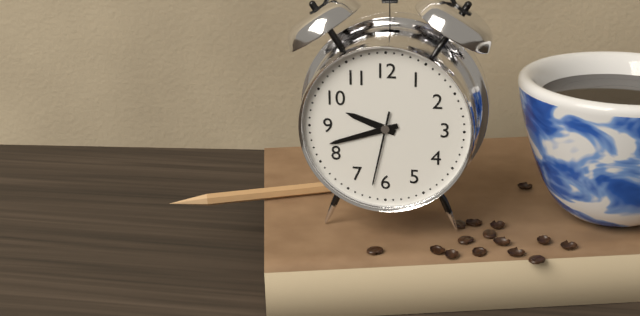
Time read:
9.42.32
